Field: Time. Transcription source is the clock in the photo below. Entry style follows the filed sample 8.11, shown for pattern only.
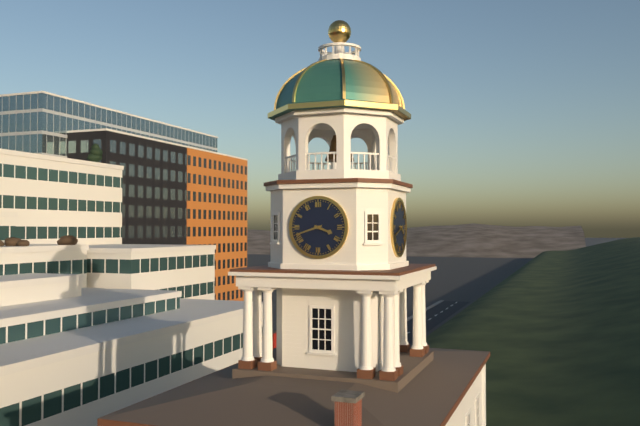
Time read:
3.42
